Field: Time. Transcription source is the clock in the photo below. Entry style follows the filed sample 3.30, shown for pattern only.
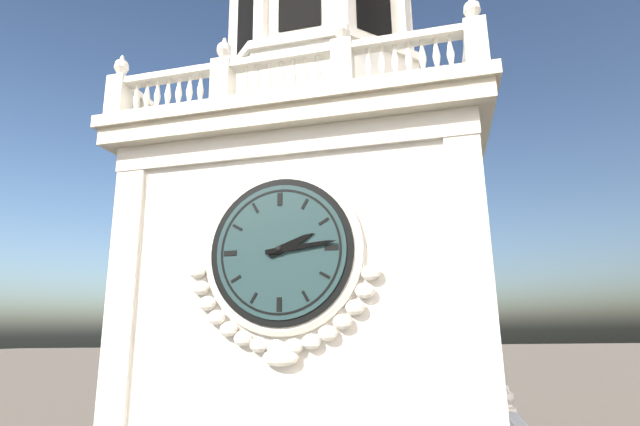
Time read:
2.14
